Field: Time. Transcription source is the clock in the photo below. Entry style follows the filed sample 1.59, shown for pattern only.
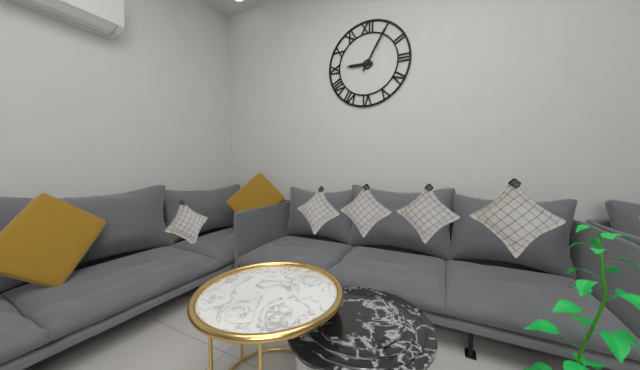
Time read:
9.05
